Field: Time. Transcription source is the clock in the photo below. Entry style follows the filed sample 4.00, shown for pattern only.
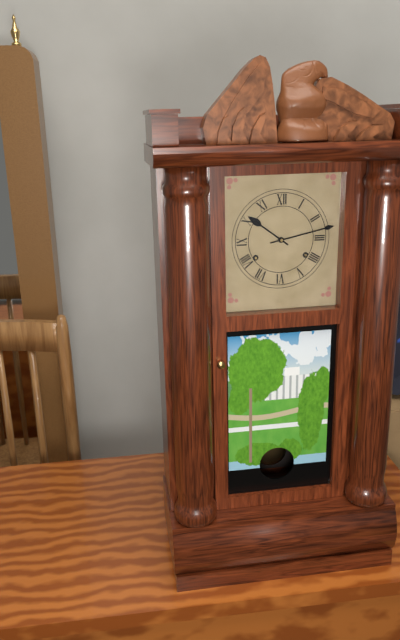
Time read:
10.13
